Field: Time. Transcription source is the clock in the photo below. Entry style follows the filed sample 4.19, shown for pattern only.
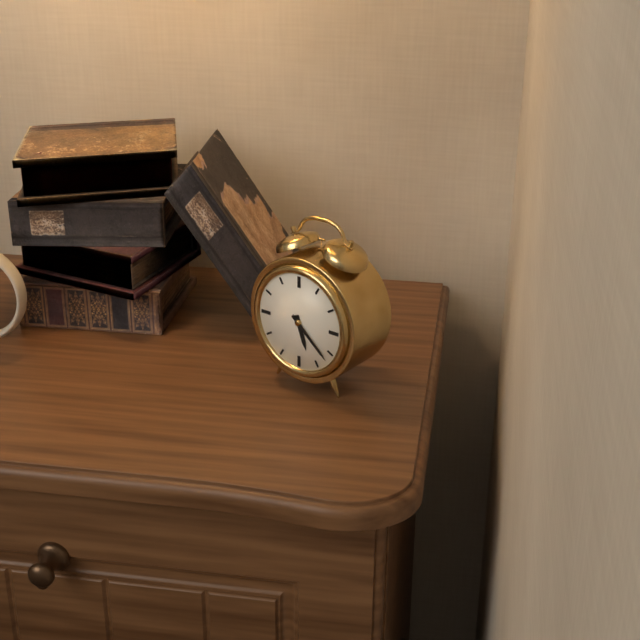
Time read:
5.22
